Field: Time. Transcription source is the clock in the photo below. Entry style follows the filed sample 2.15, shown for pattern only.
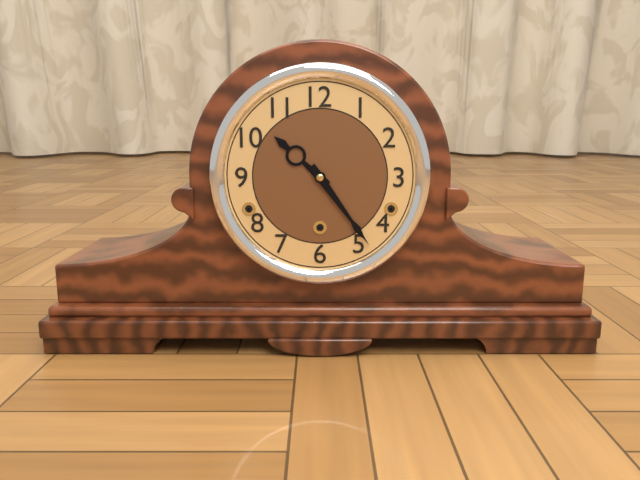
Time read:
10.24
